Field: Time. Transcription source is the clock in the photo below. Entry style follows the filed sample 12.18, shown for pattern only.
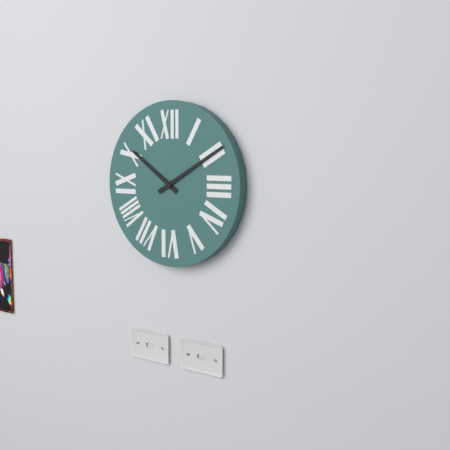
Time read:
10.10
